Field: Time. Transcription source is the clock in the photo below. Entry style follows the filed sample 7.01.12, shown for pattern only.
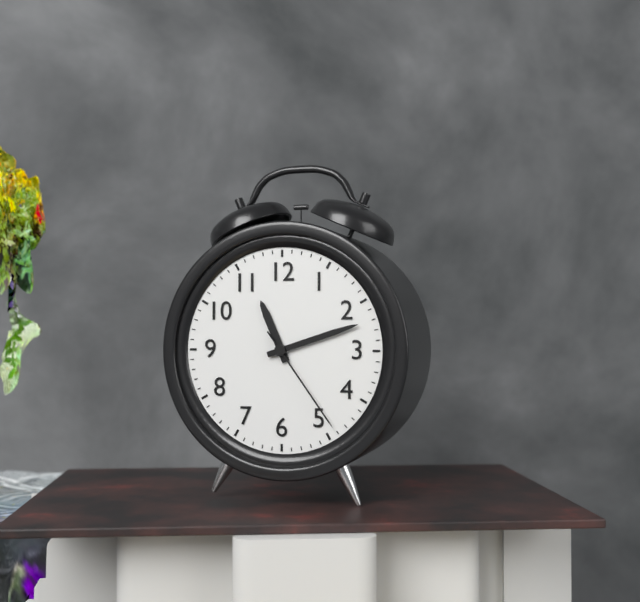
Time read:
11.12.24
